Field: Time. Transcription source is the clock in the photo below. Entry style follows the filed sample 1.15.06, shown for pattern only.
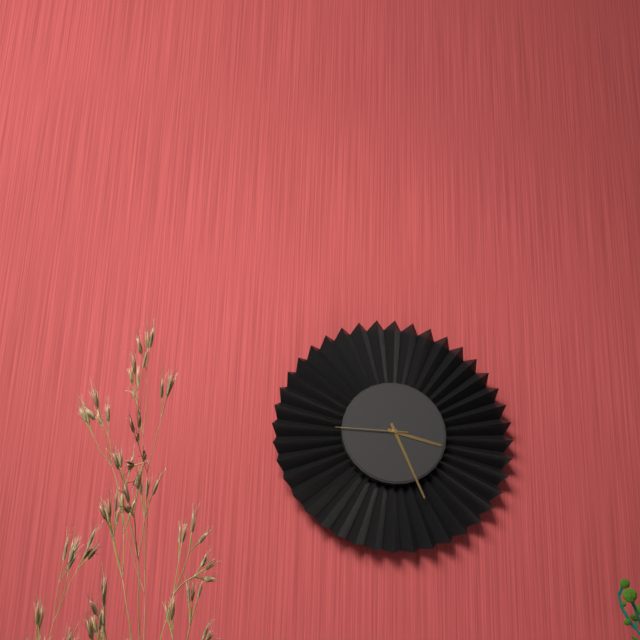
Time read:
3.26.45
